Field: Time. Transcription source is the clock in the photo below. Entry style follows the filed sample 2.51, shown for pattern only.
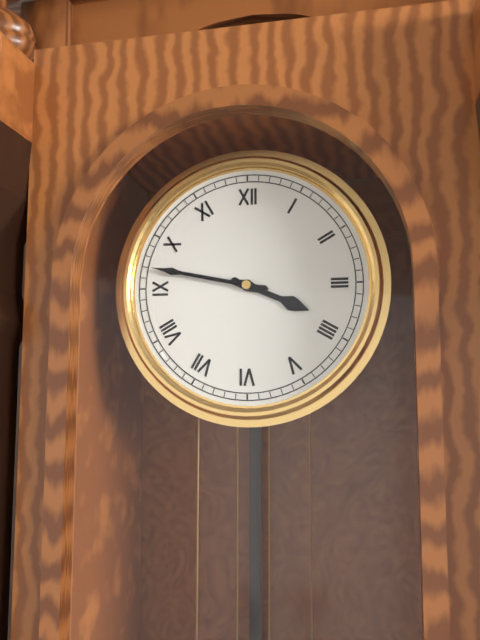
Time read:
3.47
